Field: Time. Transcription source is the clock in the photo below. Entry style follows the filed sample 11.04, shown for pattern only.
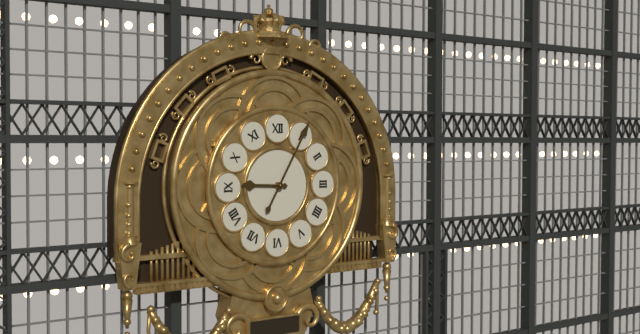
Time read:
9.05
